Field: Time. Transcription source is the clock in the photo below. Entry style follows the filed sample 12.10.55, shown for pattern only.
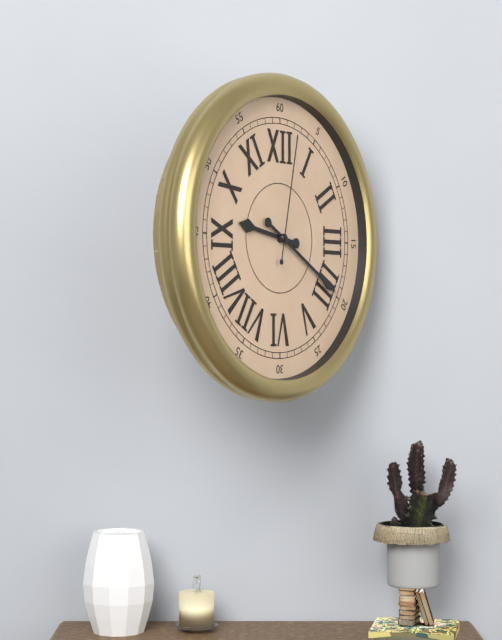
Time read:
9.20.02
